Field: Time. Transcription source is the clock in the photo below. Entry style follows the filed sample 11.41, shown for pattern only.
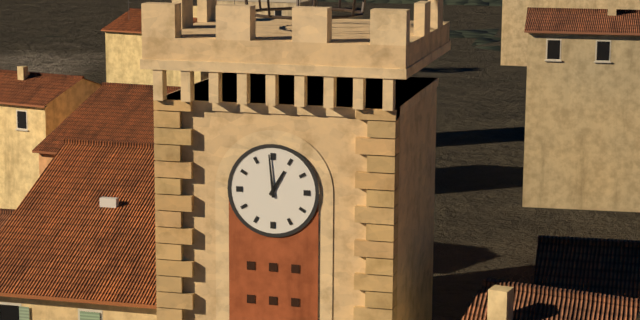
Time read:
12.59
